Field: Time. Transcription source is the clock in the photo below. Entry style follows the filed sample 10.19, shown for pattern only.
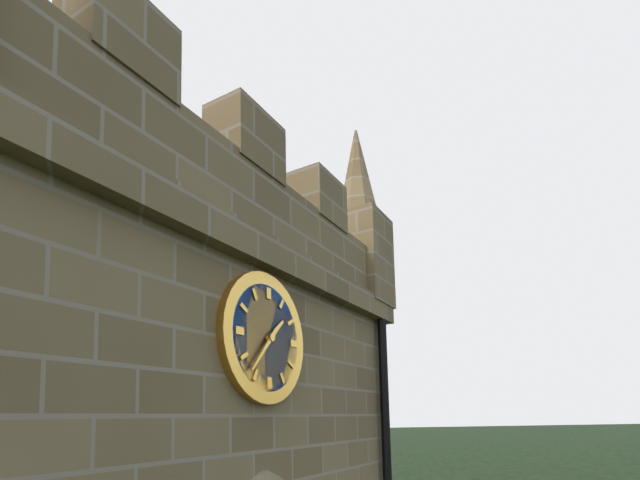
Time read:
1.37
